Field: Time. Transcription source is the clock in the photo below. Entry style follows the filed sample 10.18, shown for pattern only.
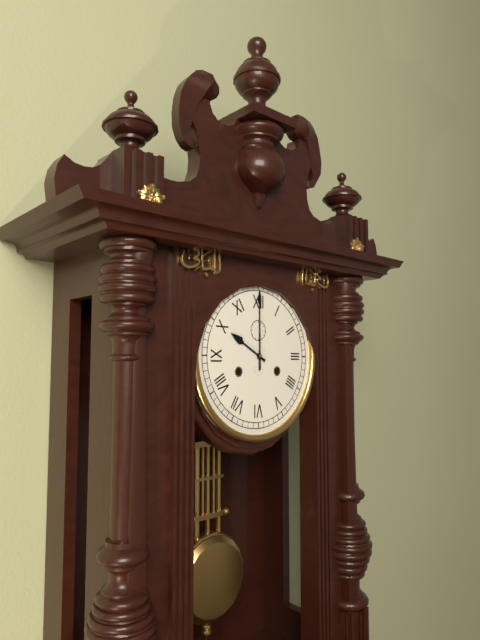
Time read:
10.00
